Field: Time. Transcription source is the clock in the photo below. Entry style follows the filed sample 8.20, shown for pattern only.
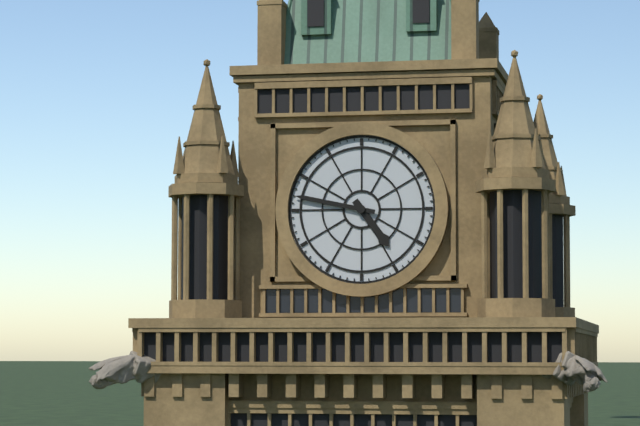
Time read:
4.47
